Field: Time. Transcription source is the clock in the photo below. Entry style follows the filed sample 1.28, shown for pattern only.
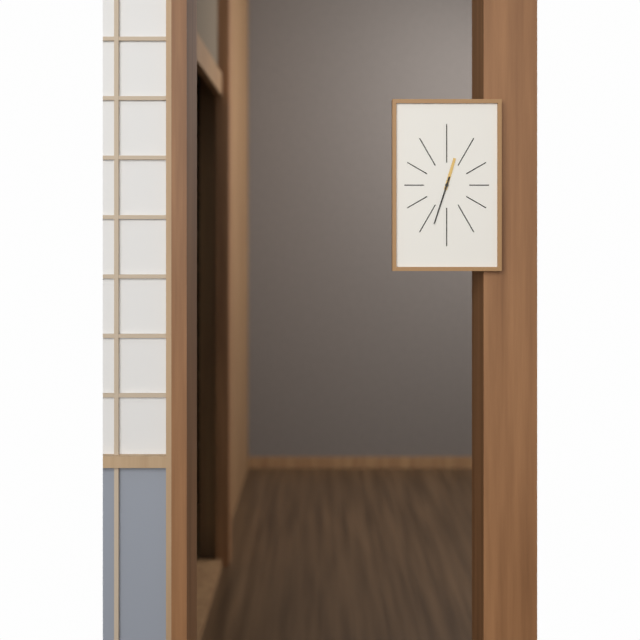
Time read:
12.33
